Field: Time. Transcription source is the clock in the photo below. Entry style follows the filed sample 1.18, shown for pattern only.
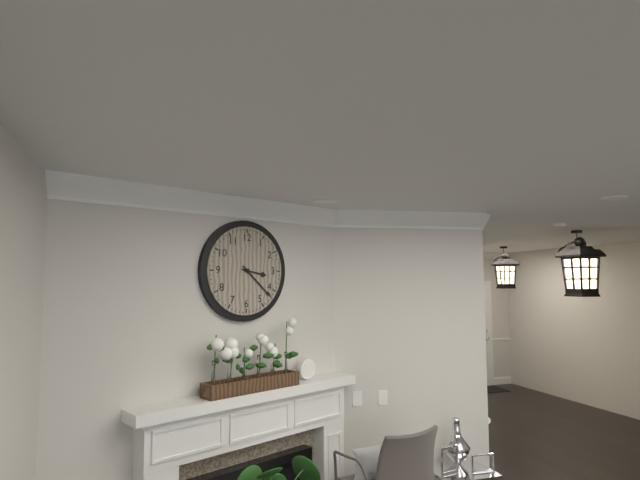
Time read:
3.22
